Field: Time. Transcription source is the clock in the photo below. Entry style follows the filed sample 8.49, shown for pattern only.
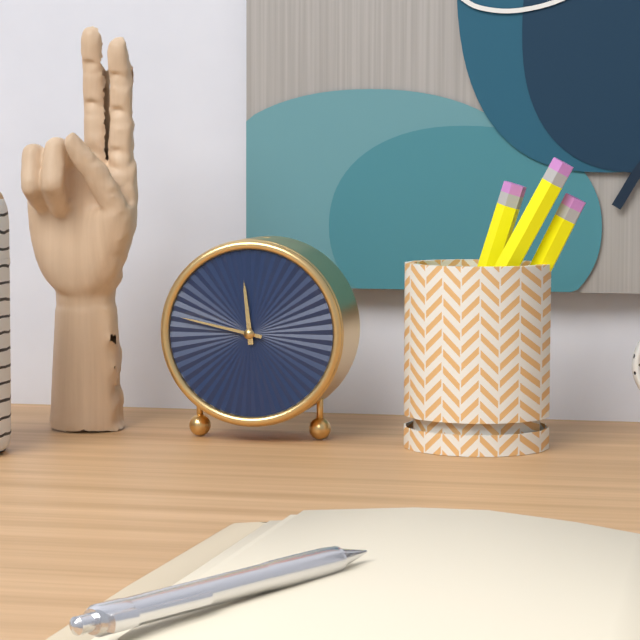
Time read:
11.47
